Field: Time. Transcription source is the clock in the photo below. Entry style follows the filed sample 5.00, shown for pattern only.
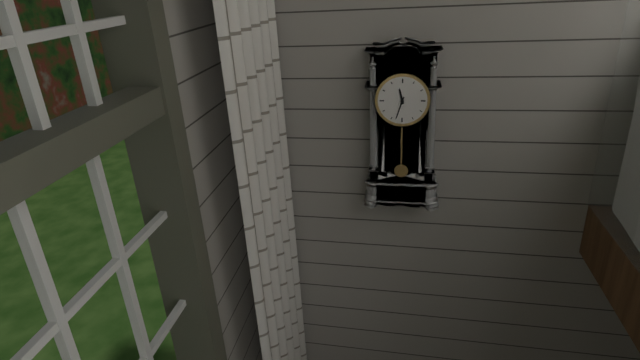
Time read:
11.33
